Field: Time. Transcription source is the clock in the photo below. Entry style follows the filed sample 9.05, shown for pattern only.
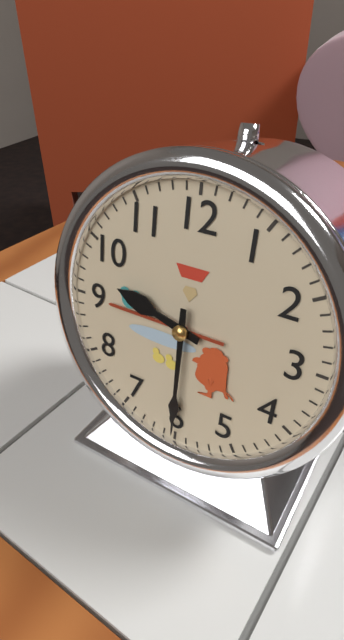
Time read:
9.30
